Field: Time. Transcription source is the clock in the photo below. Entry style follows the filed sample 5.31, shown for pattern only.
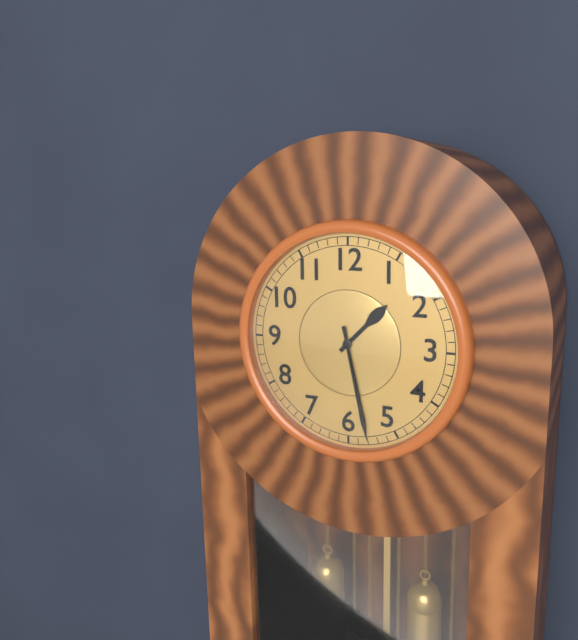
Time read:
1.28
